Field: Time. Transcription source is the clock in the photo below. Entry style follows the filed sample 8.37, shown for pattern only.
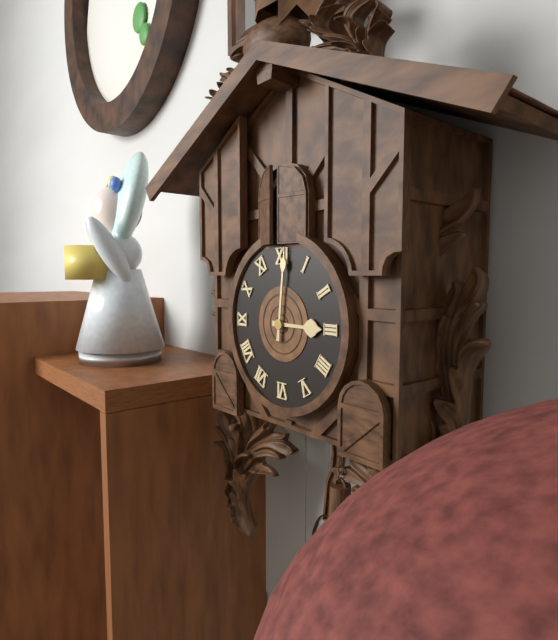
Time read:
3.01
